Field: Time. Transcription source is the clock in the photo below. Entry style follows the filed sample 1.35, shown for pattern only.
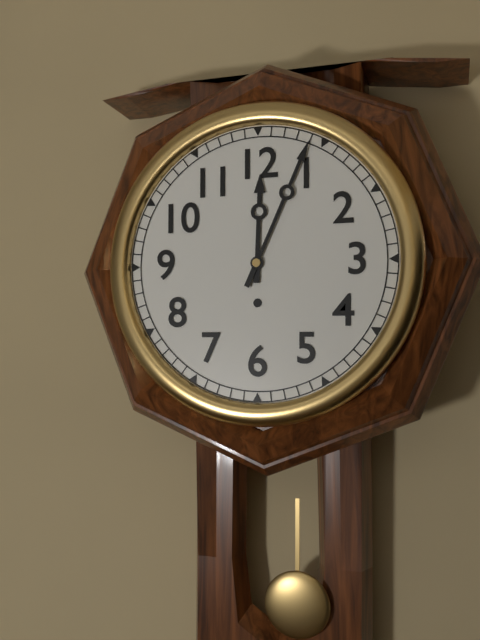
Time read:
12.04
